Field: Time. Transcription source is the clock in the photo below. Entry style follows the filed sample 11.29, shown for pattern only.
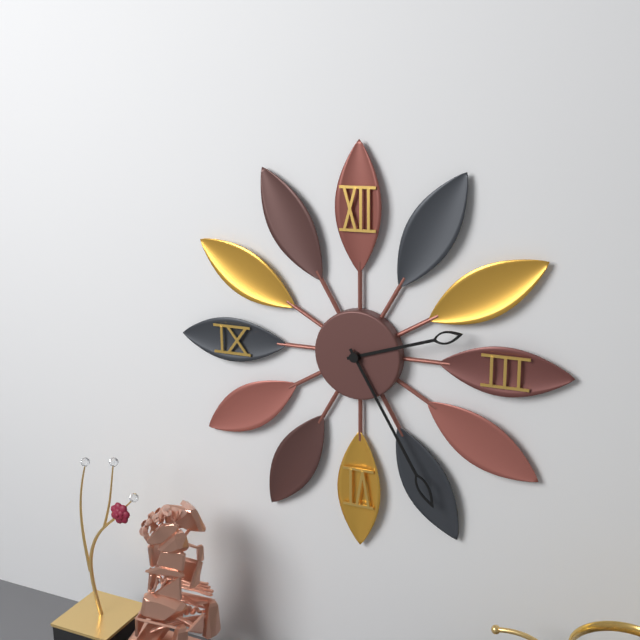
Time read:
2.25
